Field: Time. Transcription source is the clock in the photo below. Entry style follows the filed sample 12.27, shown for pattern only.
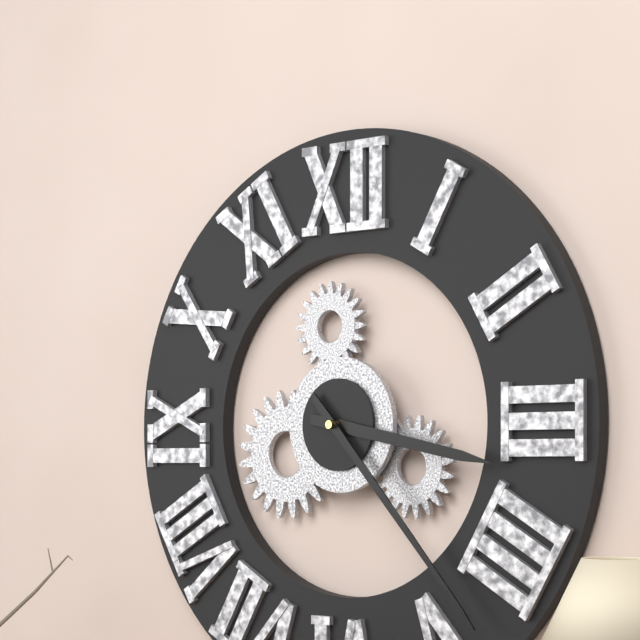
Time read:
3.23
